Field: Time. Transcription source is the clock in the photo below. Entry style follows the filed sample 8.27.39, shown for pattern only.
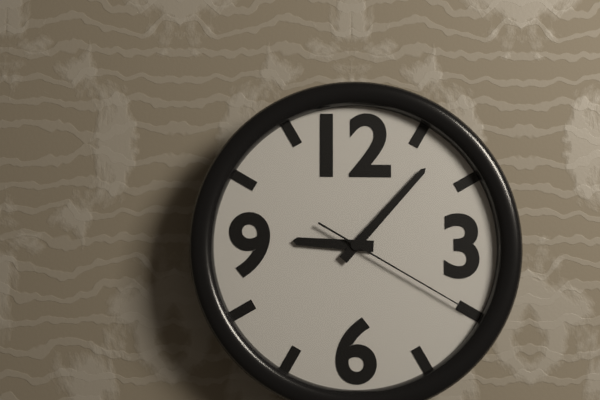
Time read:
9.07.20
